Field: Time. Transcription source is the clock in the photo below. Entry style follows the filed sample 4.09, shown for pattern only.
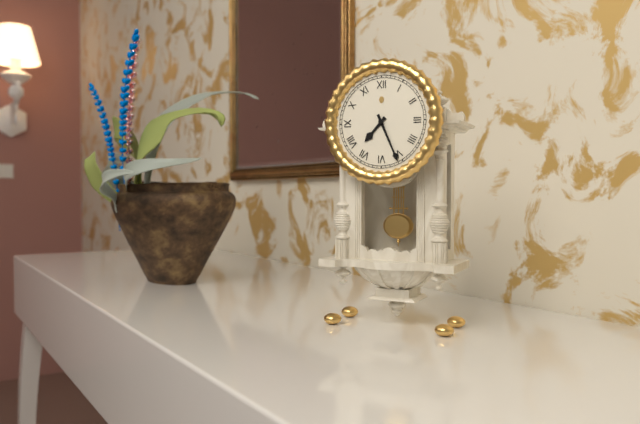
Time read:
7.26
